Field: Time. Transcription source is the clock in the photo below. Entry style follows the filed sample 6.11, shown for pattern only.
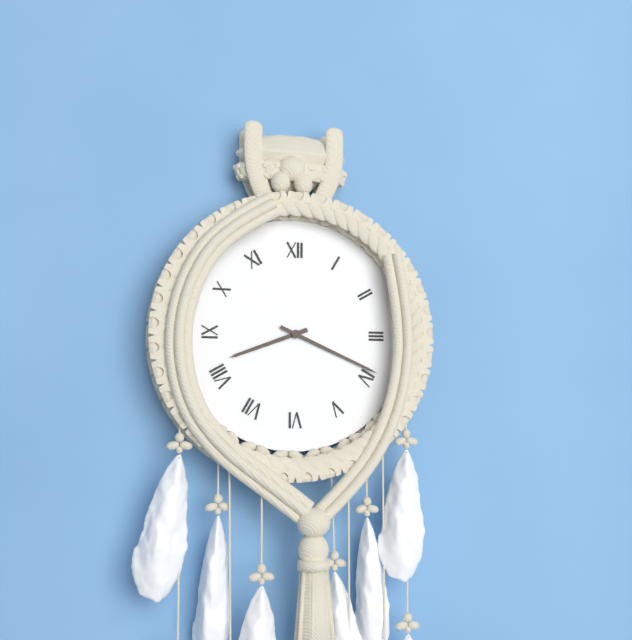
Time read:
8.19
